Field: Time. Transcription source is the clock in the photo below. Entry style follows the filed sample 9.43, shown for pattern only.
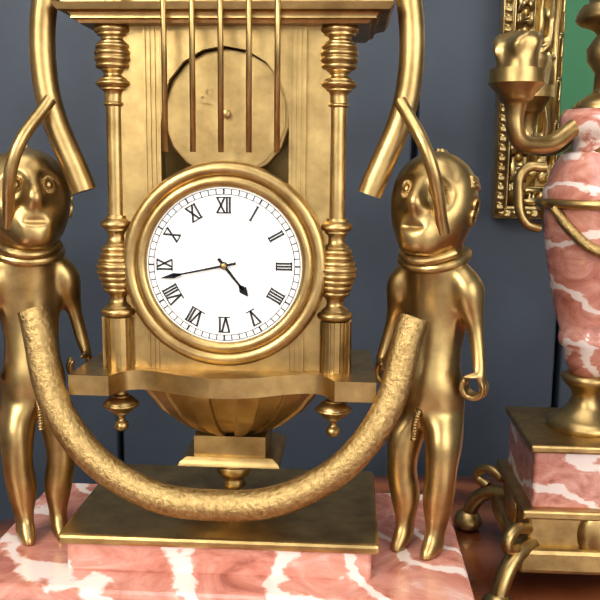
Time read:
4.43
